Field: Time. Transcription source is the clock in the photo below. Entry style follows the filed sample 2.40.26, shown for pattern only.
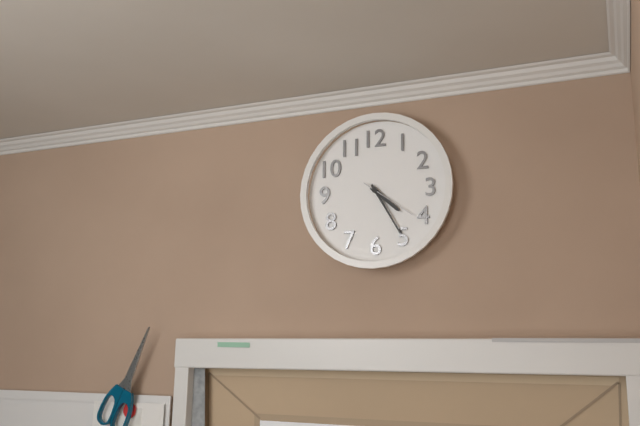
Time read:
4.25.21
